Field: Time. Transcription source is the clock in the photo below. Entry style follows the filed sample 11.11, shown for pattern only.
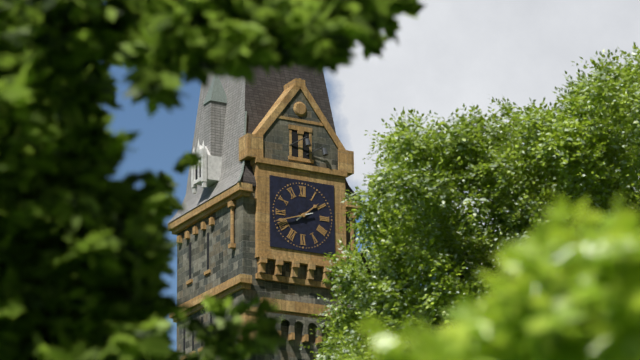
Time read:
1.42
